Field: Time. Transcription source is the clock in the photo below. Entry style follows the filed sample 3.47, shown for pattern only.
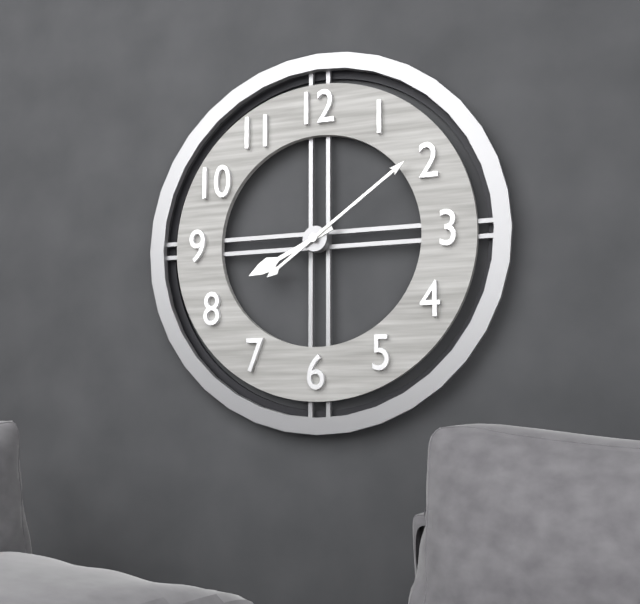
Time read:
8.09
